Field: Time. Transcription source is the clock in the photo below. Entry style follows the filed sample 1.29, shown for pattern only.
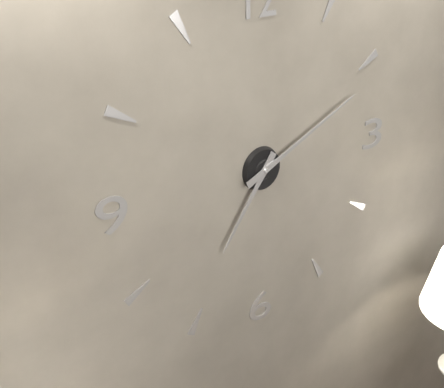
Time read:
7.11
